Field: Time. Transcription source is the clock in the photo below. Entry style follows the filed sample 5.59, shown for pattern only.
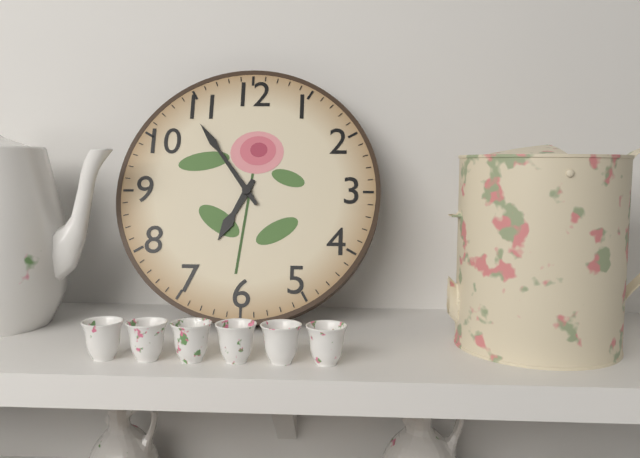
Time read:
6.54
